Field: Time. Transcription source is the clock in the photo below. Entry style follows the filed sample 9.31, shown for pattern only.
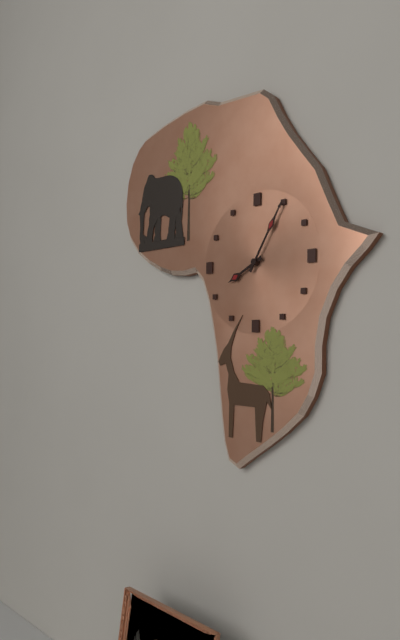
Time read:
8.05
